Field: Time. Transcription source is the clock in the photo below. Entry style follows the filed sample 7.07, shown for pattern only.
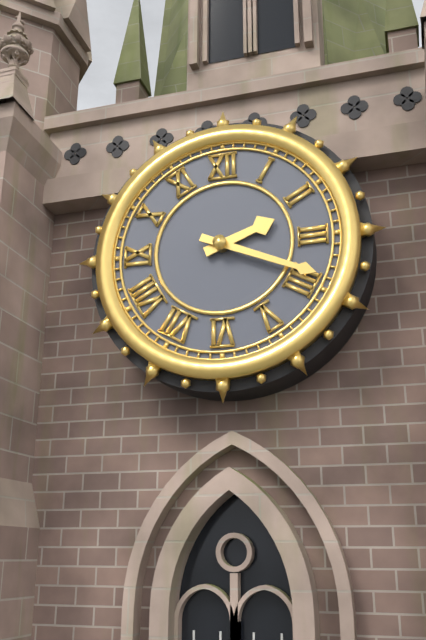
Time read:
2.19
